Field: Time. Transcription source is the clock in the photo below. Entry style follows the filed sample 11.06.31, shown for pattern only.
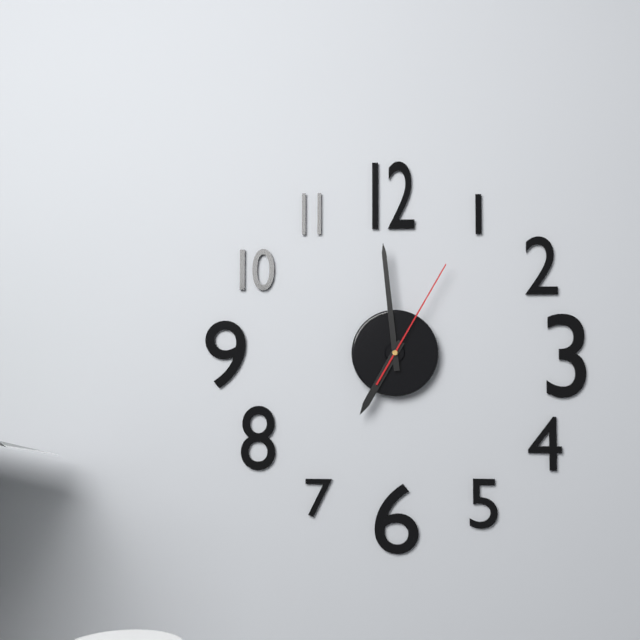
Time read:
6.59.05
